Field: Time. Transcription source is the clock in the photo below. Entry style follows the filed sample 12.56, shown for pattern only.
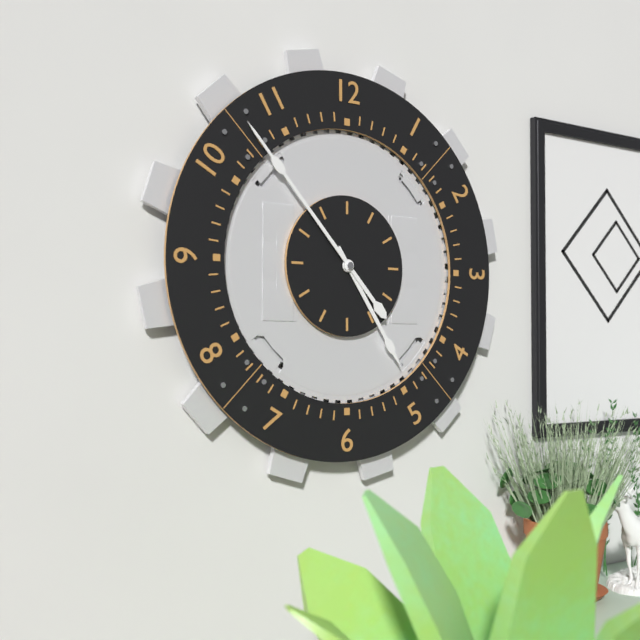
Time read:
4.53
